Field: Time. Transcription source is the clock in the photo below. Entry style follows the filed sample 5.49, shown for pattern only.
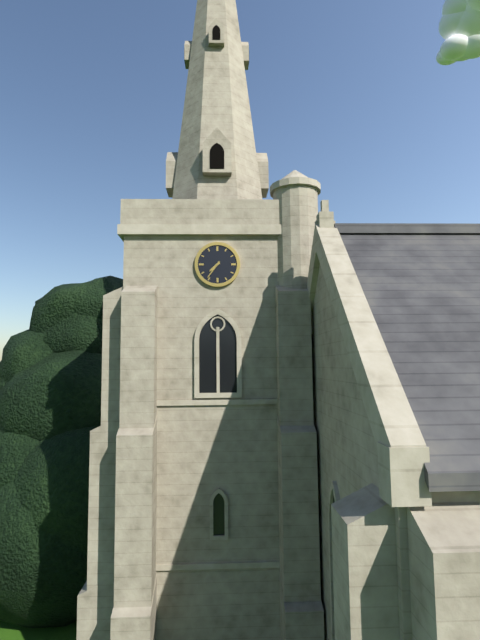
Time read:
7.36
